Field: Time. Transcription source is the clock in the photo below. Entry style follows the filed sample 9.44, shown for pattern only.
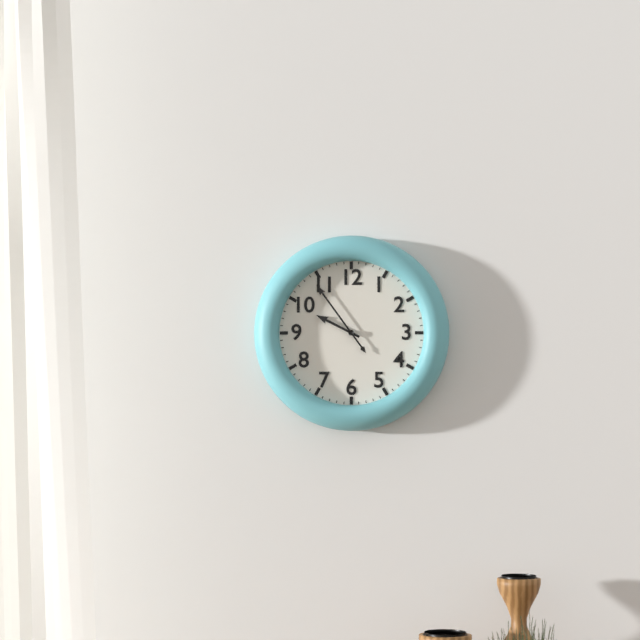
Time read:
9.54
